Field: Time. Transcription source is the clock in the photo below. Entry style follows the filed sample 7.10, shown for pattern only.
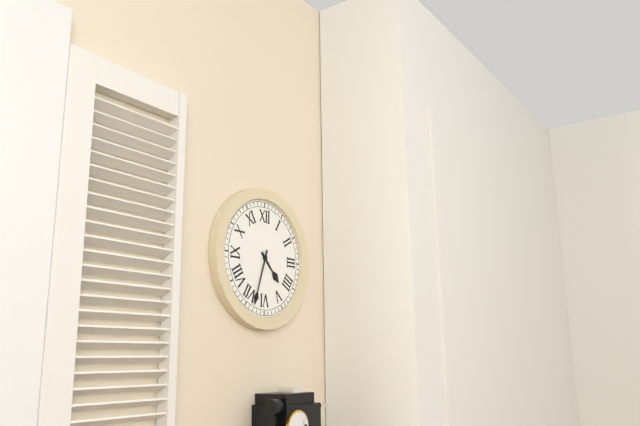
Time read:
4.33
